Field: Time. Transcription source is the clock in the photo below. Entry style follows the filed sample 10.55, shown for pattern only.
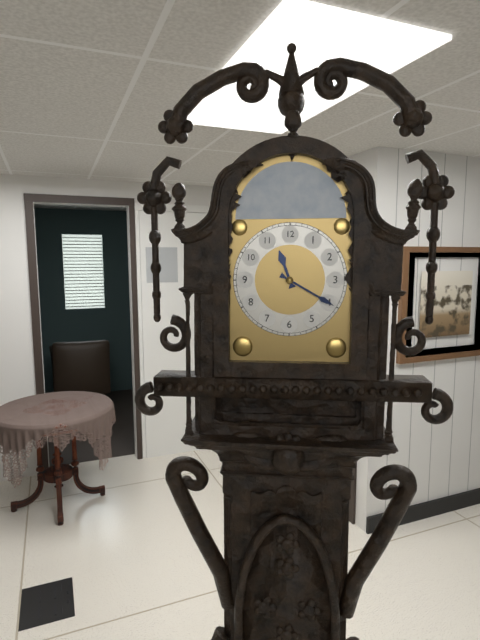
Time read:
11.20
